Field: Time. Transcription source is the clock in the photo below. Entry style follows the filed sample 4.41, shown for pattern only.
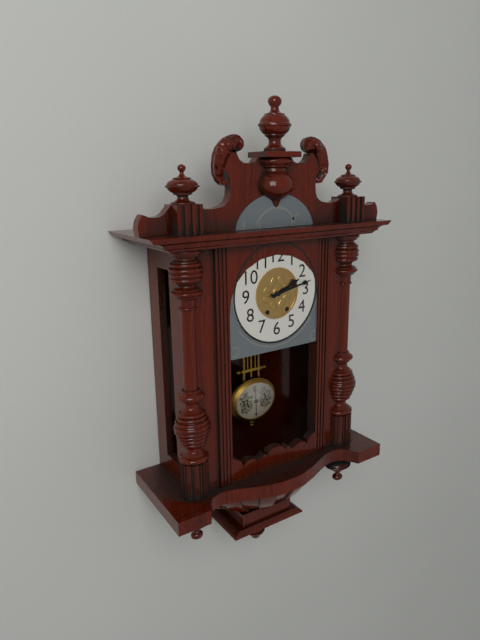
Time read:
2.13
